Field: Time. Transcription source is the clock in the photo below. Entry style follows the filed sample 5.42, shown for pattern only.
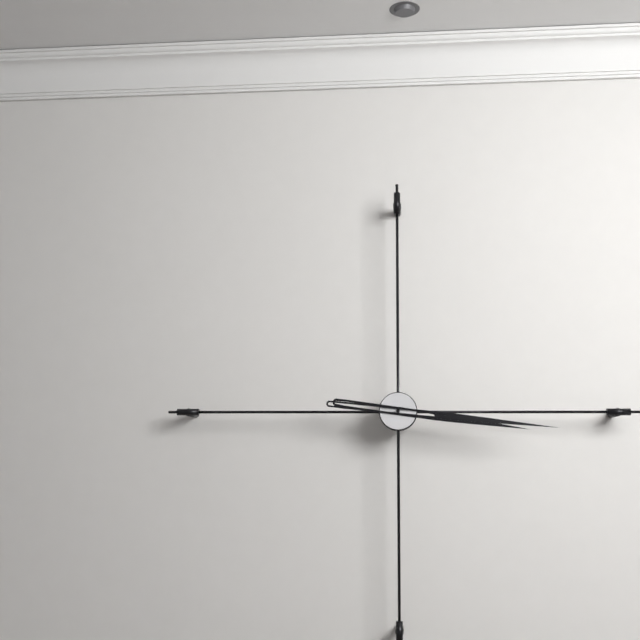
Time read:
3.16
